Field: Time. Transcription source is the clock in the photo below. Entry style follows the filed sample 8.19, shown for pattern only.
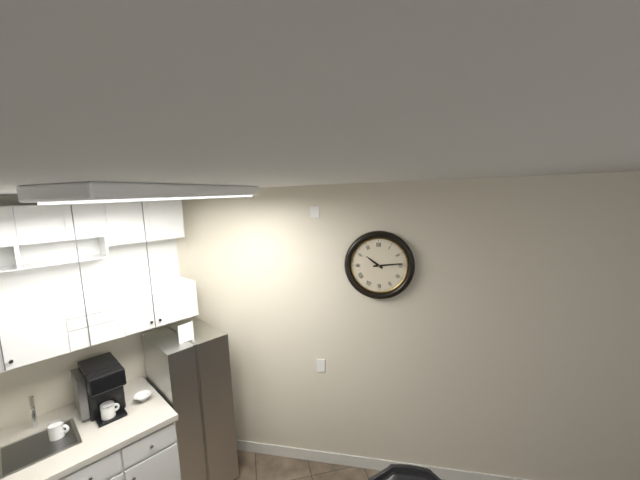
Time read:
10.14
